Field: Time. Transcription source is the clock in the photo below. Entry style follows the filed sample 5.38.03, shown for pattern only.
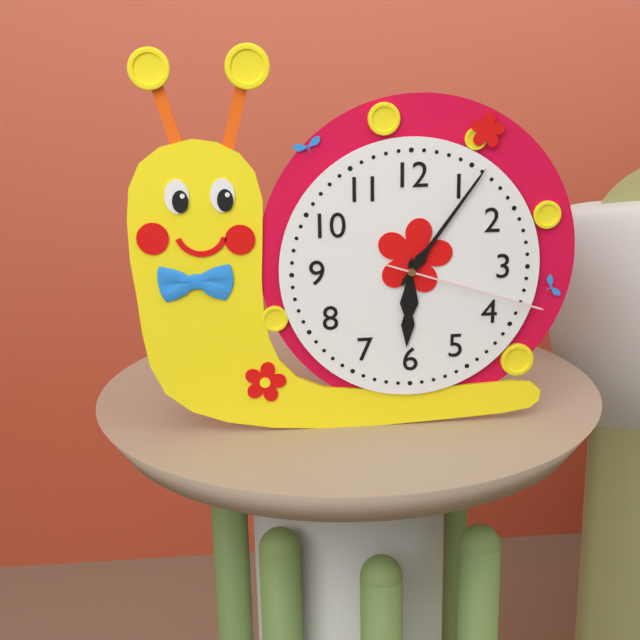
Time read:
6.06.18
